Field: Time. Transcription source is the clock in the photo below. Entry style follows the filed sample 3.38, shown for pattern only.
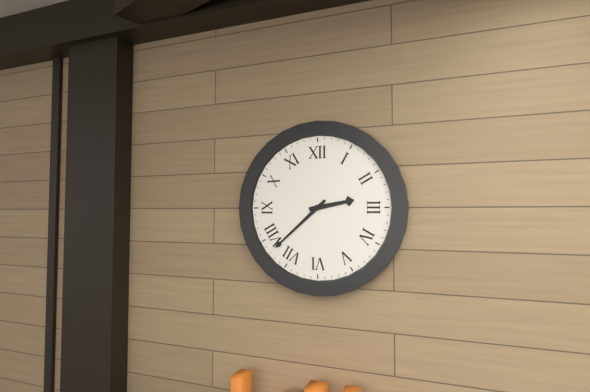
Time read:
2.38
